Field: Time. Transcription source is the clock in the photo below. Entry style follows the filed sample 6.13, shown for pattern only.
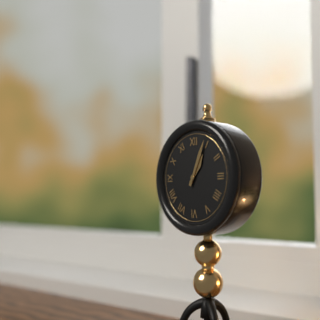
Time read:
1.04
